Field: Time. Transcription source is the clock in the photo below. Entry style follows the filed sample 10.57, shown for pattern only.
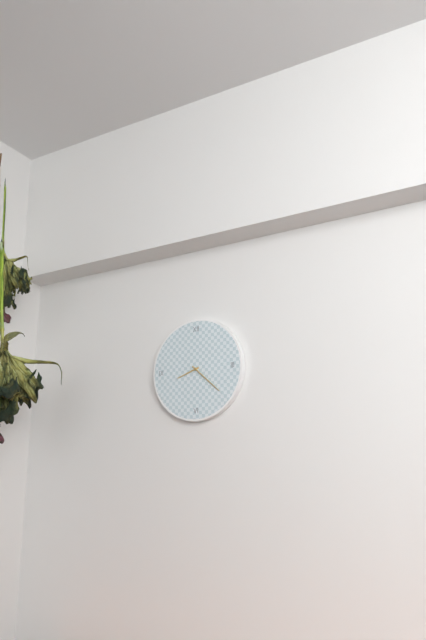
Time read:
8.22
